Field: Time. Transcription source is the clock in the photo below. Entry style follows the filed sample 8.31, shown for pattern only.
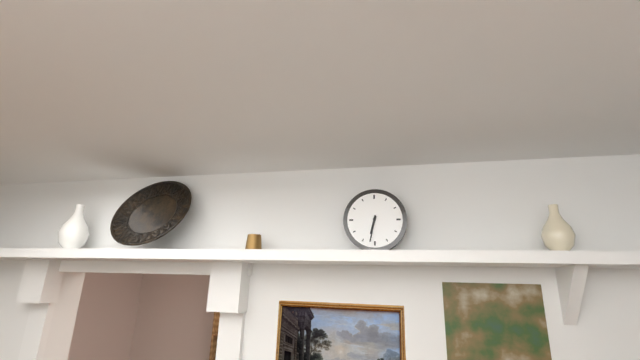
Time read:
6.32
